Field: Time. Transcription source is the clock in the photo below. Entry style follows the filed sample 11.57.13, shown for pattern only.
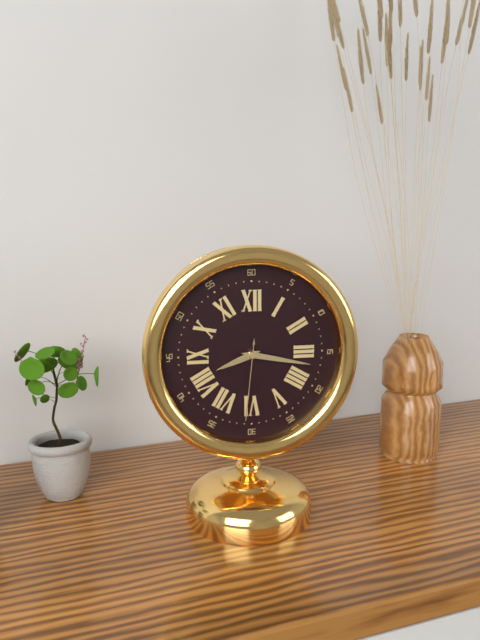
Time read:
8.17.31
